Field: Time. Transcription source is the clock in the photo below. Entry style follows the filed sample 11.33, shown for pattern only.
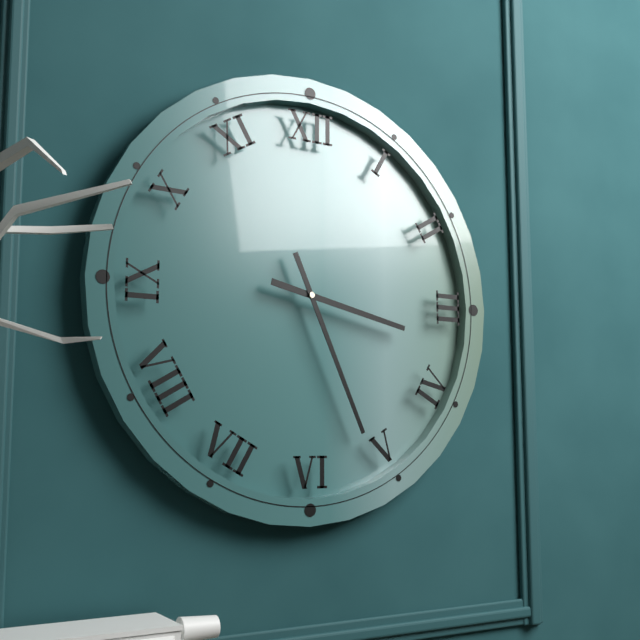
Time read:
3.26
